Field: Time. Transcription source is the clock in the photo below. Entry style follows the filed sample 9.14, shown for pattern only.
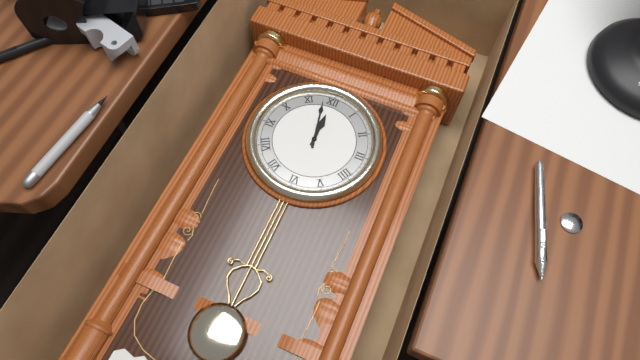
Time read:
11.58
